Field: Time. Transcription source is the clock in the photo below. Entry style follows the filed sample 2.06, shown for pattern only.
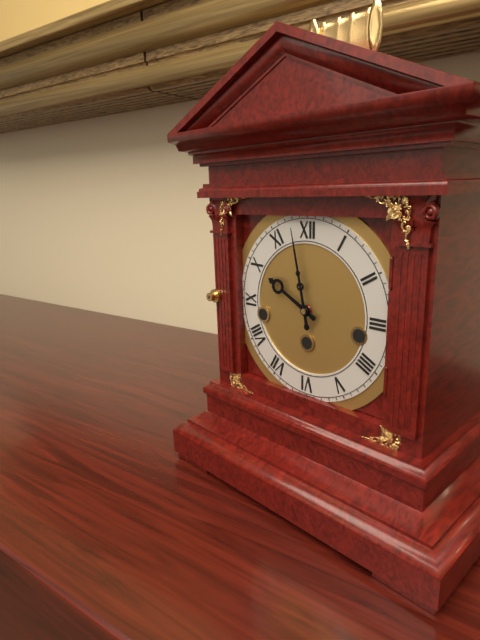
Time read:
9.58
